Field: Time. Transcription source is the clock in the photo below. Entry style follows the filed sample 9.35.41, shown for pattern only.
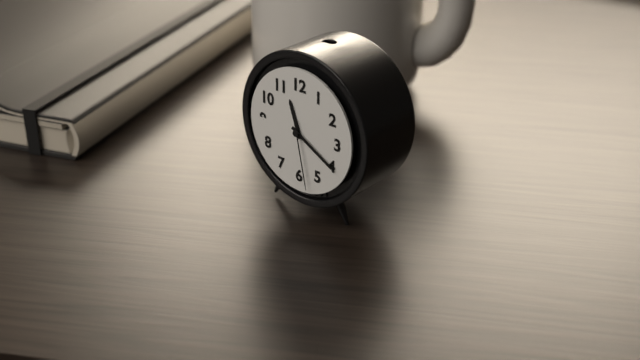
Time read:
11.20.28
